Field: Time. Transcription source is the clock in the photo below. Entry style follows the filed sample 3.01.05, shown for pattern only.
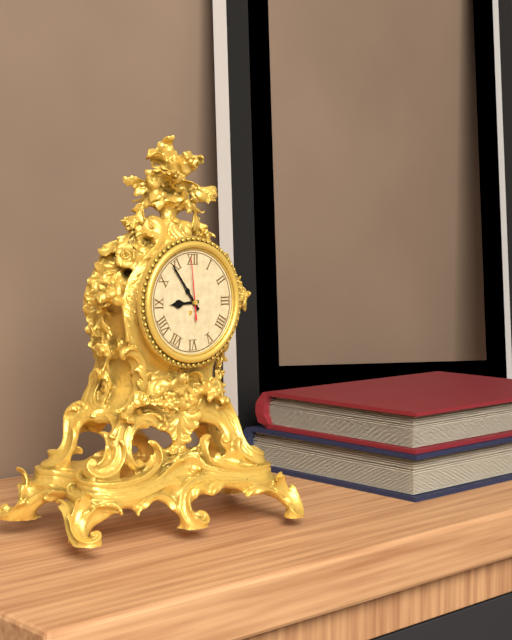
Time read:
8.54.59
